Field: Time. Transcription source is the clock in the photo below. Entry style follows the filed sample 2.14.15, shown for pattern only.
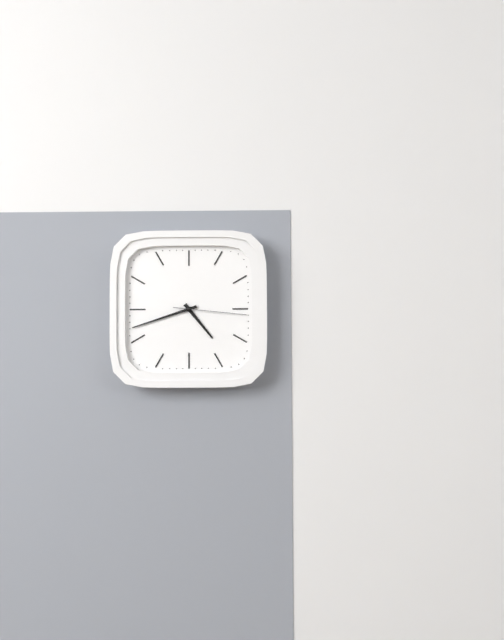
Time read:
4.42.16
